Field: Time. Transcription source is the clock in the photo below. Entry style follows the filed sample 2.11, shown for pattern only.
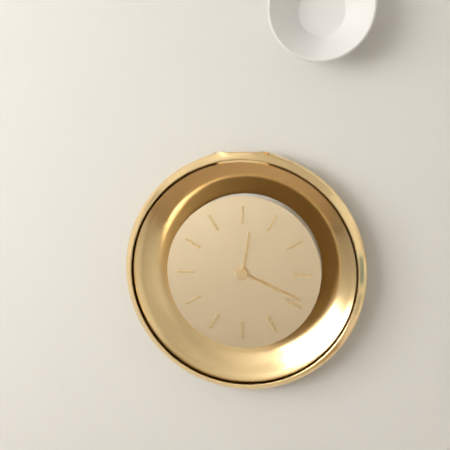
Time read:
12.19
